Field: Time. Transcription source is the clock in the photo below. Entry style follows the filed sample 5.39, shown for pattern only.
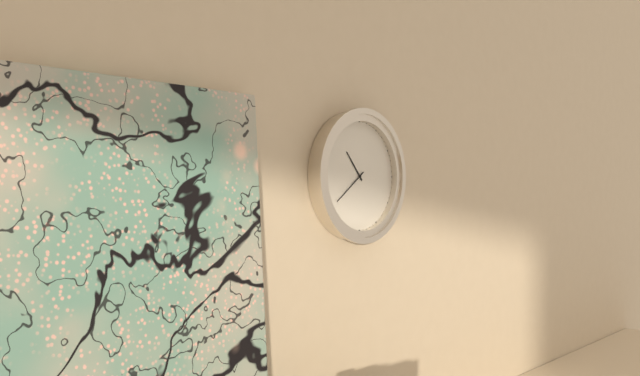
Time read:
10.39
